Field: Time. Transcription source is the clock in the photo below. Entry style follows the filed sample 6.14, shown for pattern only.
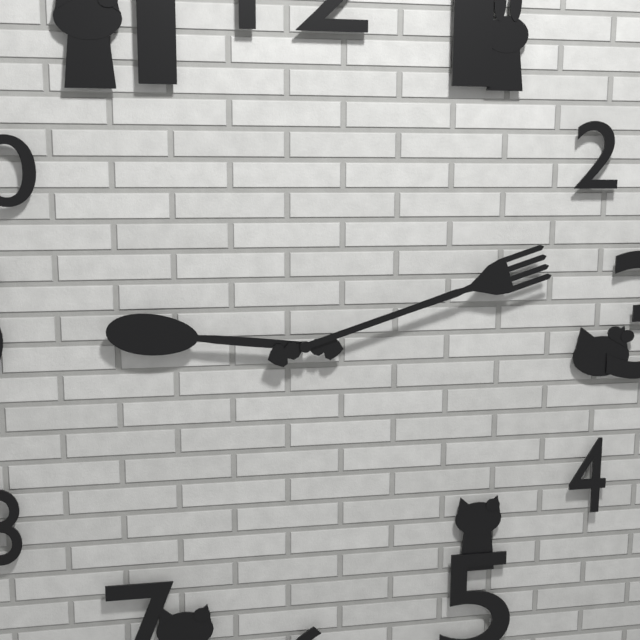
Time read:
9.12
